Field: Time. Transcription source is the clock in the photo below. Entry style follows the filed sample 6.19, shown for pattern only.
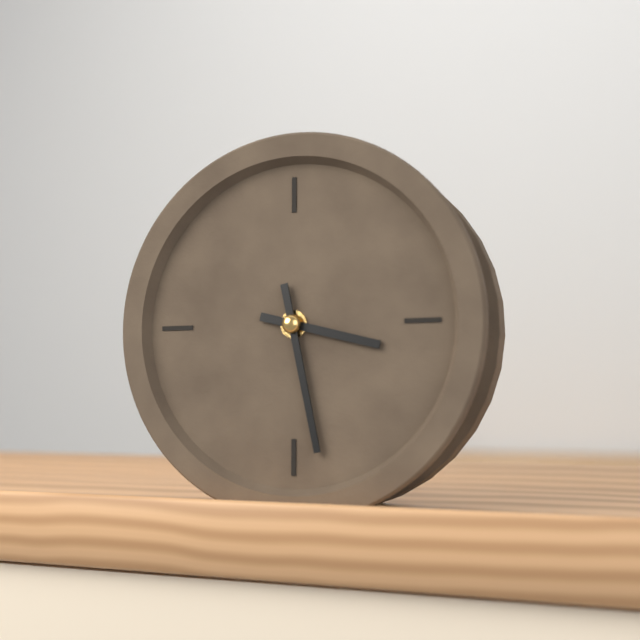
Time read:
3.28
